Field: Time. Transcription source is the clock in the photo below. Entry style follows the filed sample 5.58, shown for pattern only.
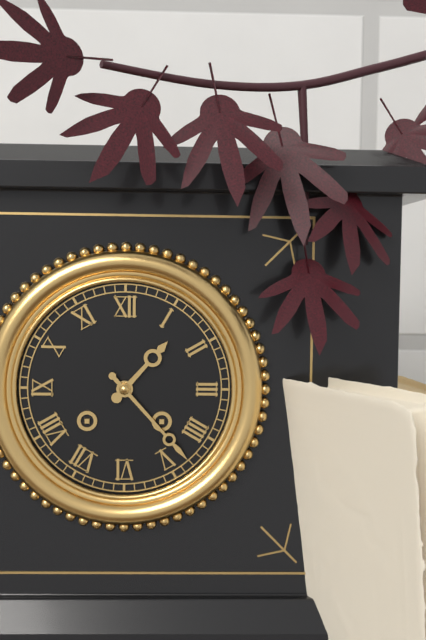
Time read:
1.23
